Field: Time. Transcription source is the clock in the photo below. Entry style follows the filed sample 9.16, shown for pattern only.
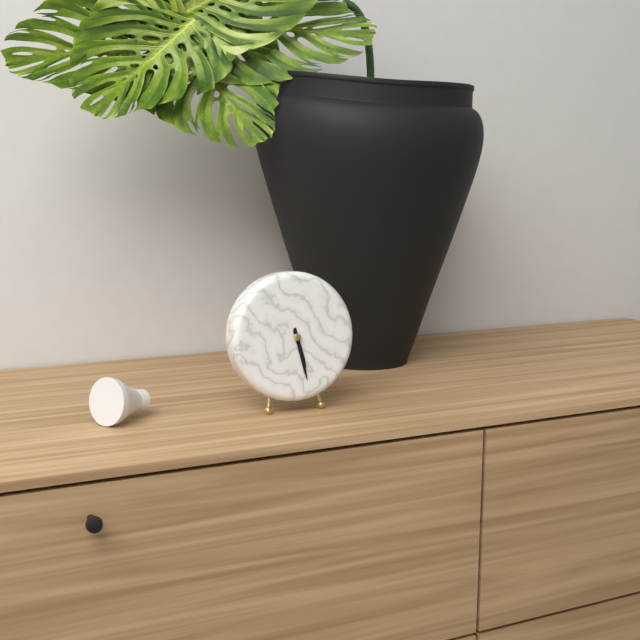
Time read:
5.28
